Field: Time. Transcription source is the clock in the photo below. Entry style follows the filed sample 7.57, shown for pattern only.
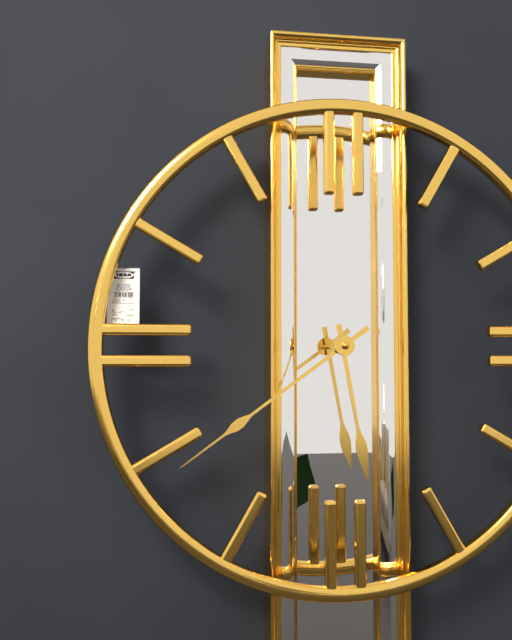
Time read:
5.39
